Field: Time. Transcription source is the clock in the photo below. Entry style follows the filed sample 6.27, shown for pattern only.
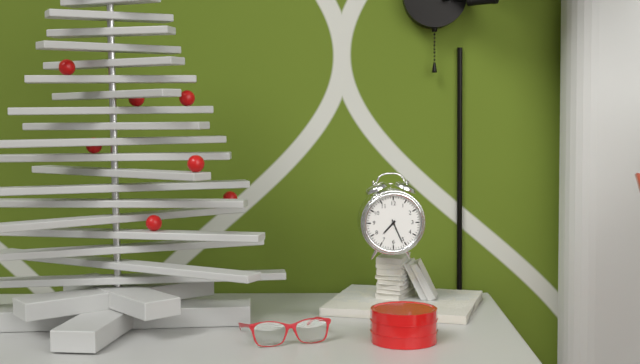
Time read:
7.26
